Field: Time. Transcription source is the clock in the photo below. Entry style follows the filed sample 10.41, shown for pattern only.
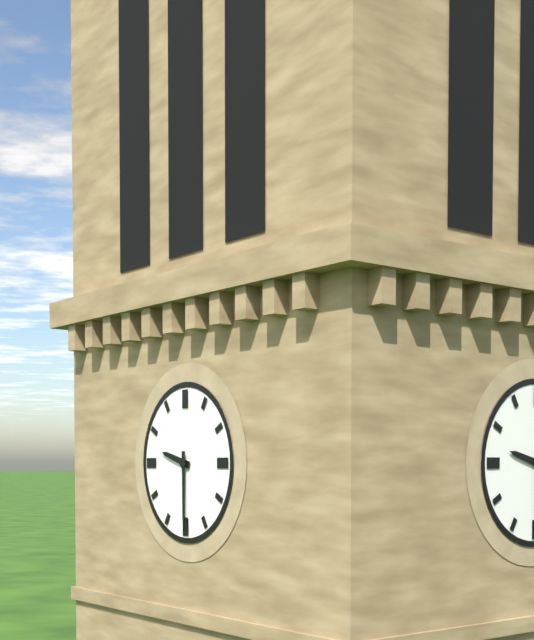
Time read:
9.30
